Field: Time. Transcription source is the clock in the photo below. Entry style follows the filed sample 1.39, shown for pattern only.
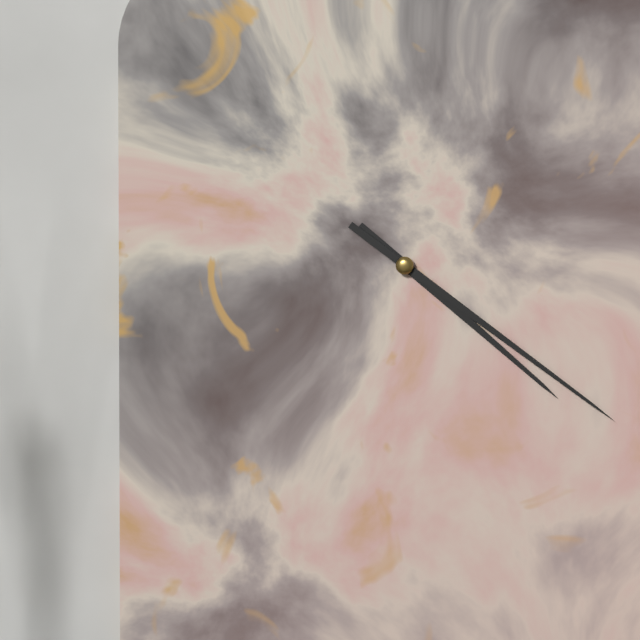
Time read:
4.21
